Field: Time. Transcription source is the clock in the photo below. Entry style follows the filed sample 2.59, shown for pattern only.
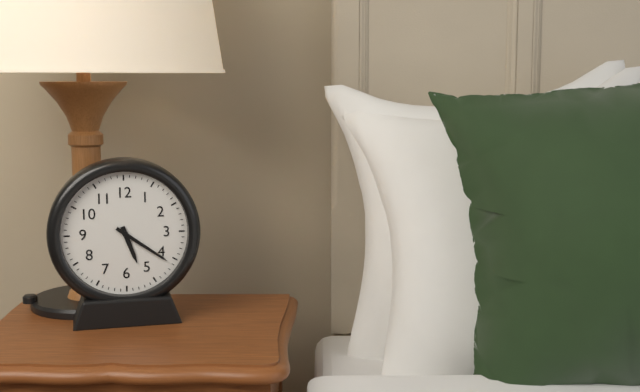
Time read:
5.21
